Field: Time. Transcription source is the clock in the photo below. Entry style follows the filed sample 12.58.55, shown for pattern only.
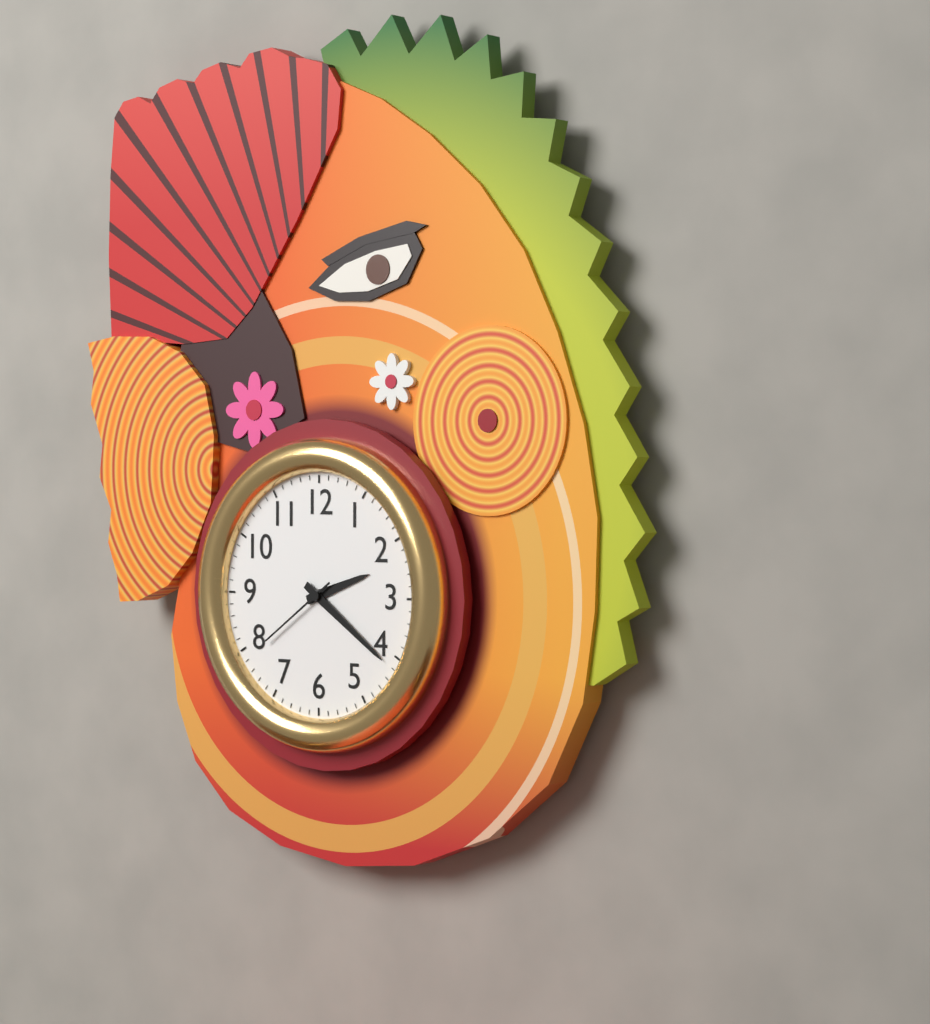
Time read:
2.21.39
